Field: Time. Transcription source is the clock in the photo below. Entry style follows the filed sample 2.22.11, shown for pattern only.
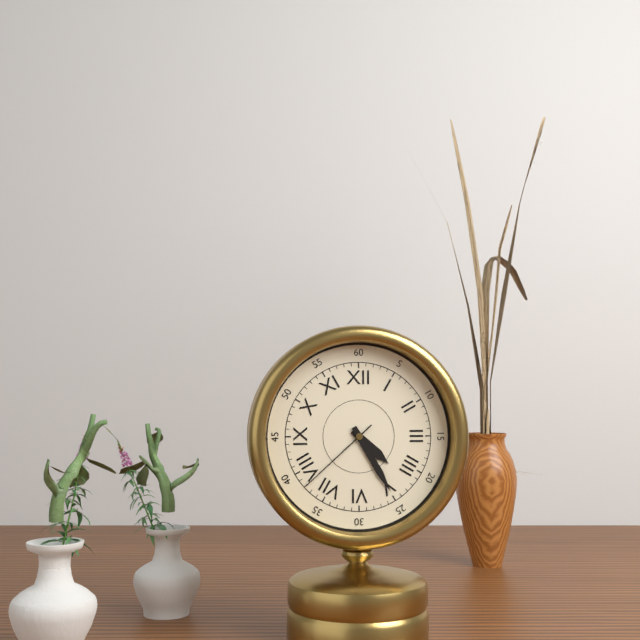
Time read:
4.25.38
